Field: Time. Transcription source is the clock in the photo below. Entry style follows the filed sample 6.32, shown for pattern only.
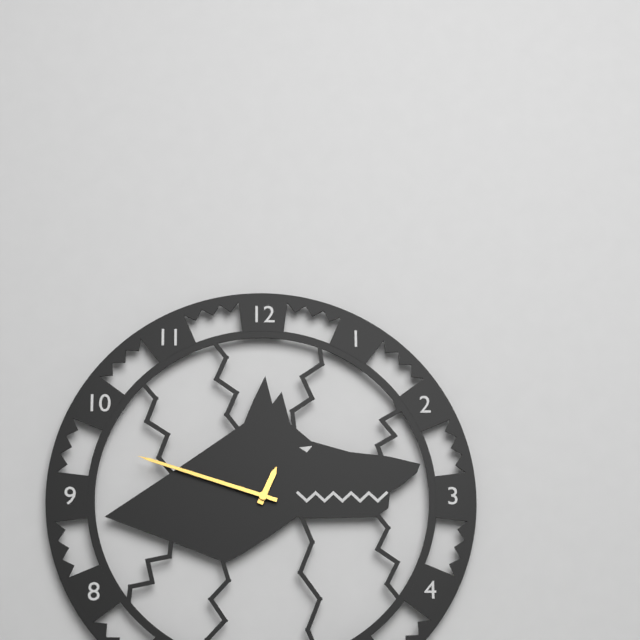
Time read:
12.48
